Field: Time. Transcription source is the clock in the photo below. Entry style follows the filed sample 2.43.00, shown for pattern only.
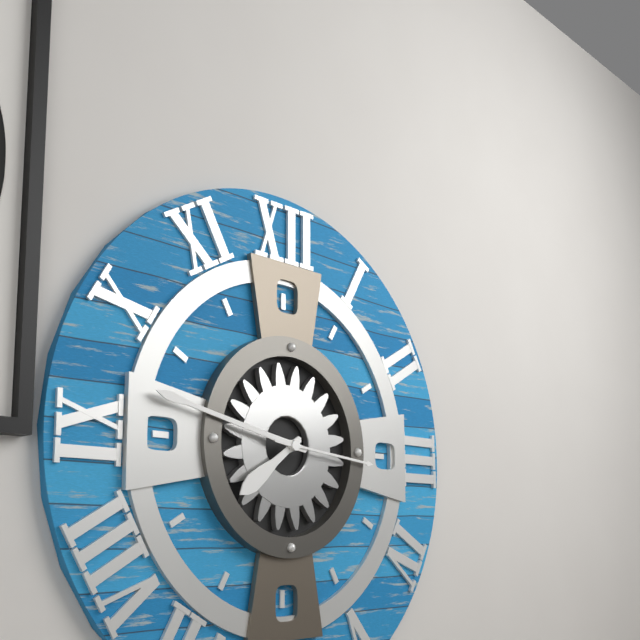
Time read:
7.47.16
